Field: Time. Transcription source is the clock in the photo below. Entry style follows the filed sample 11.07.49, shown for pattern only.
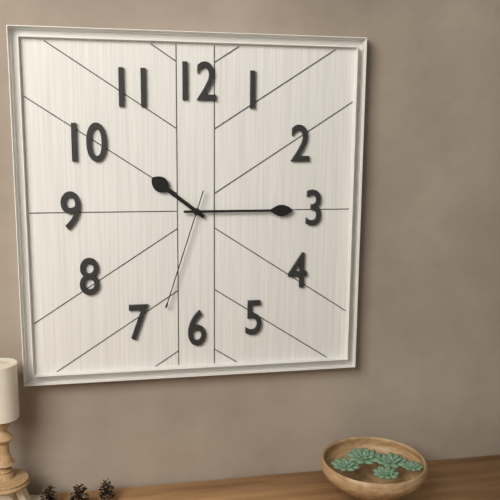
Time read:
10.15.33
